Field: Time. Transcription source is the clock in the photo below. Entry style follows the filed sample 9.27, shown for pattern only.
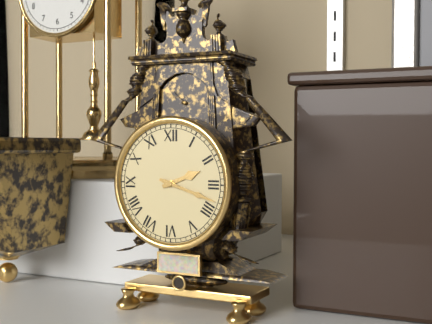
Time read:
2.18
